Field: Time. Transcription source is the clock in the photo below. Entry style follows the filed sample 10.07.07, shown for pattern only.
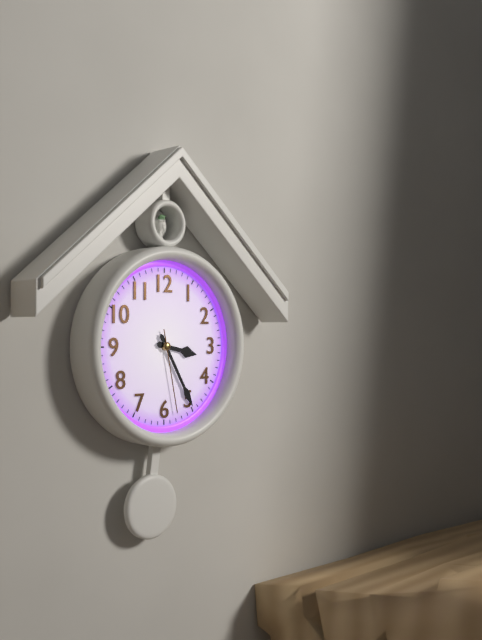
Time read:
3.25.28
